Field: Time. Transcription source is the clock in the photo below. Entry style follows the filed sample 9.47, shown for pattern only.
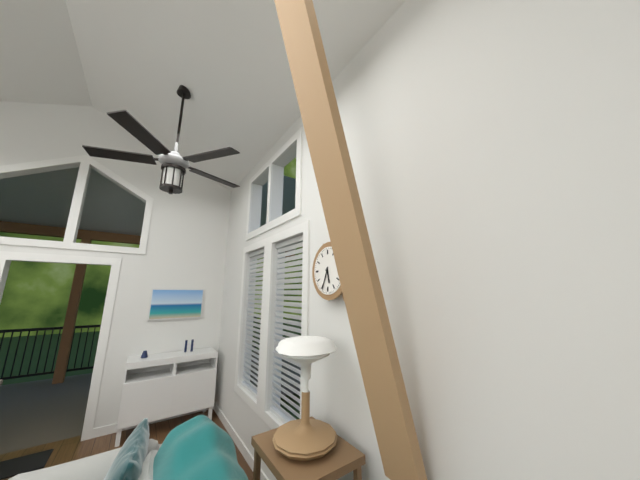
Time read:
5.34
